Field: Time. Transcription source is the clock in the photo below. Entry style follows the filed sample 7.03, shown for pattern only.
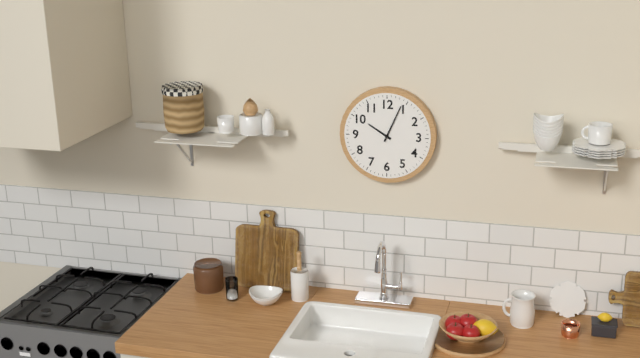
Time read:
10.04
